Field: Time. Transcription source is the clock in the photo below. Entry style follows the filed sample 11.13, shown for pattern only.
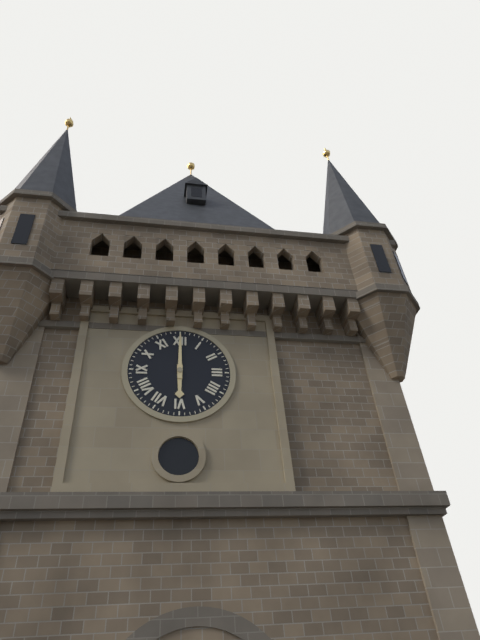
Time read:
6.00
